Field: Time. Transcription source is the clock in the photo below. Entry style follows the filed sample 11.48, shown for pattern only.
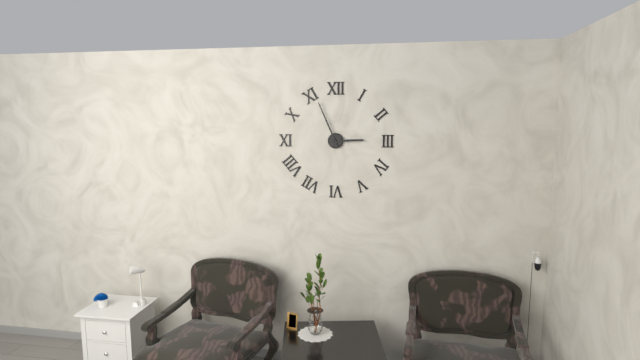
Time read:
2.56
